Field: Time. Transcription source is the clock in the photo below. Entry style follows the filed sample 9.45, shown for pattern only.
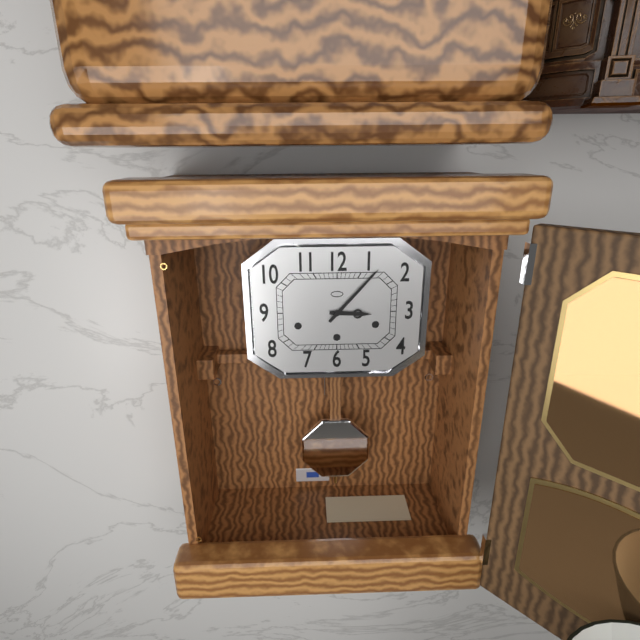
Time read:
3.07
